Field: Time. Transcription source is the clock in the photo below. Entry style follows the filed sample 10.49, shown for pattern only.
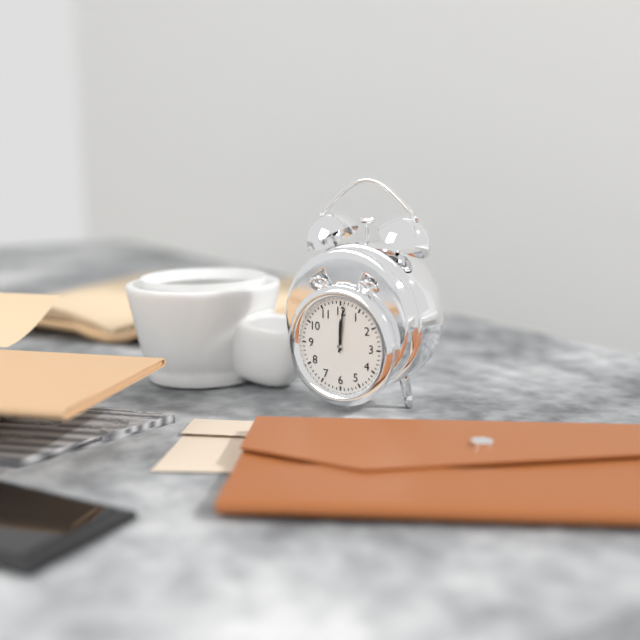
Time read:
12.01
